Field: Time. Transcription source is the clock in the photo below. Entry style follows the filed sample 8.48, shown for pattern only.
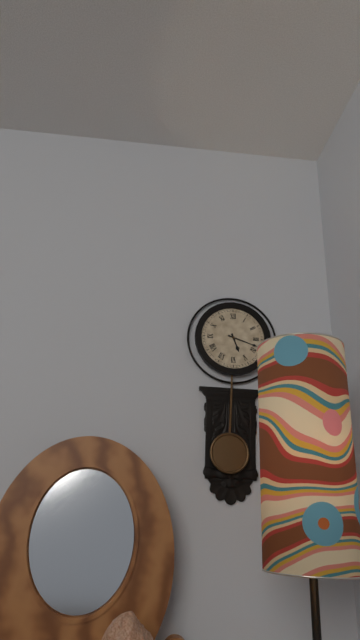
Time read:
5.18
